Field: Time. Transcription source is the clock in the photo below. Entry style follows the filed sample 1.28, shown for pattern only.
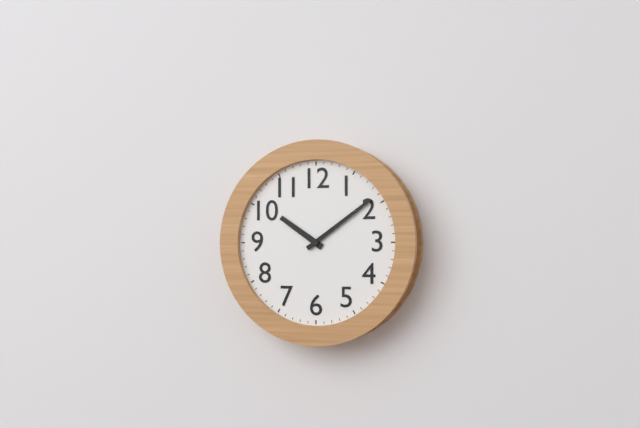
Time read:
10.09
